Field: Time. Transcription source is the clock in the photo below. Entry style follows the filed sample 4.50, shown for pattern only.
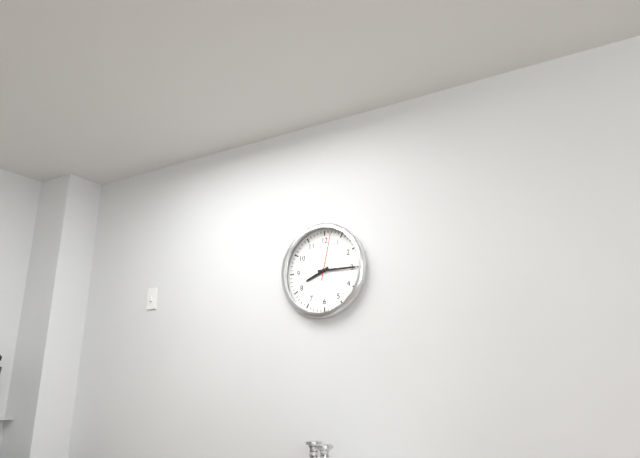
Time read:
8.15
